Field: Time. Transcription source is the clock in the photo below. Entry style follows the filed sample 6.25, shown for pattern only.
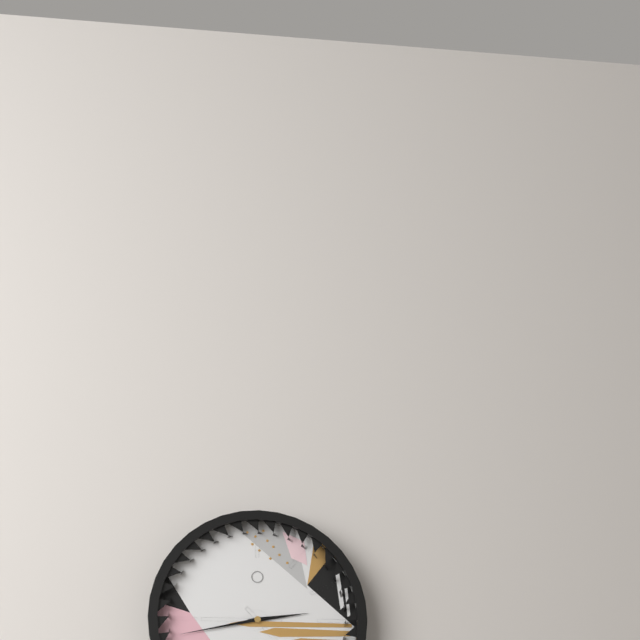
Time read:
2.43
